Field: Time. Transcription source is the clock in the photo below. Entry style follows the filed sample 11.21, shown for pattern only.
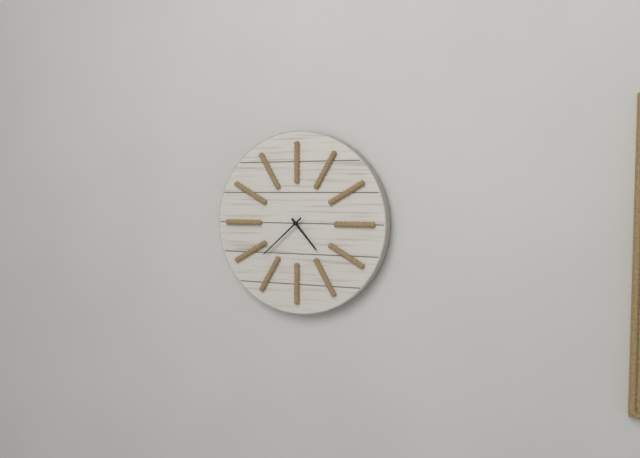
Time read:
4.38
